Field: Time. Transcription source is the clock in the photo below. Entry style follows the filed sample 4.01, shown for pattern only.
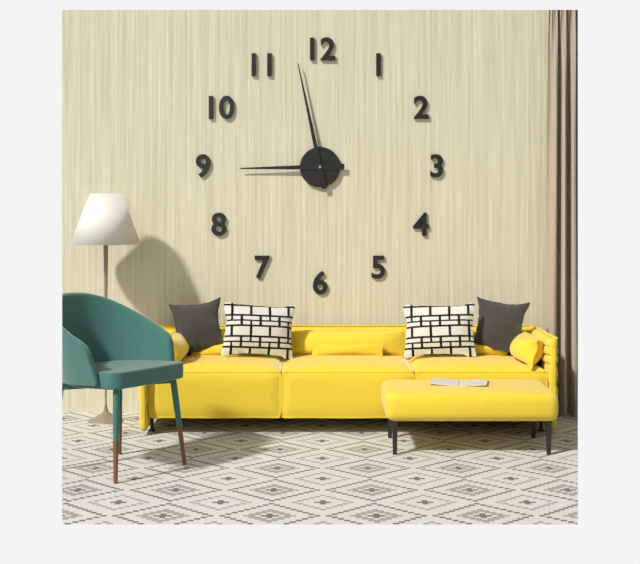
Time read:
8.58
